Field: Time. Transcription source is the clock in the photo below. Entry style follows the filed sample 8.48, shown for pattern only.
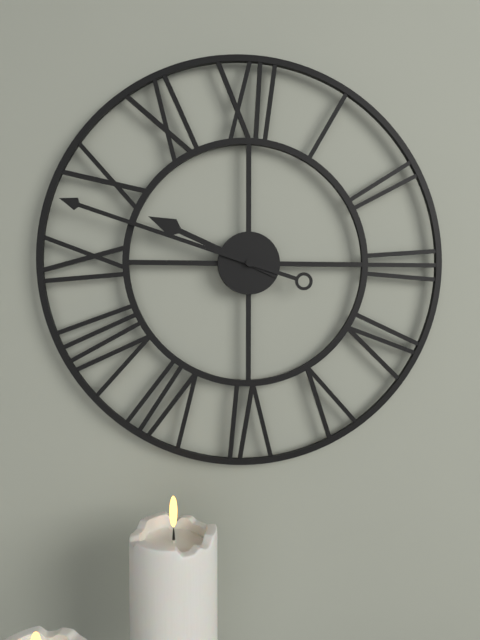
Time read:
9.48
